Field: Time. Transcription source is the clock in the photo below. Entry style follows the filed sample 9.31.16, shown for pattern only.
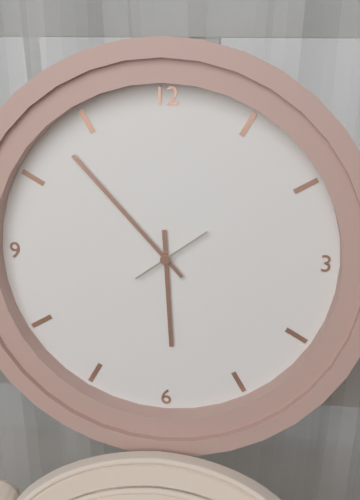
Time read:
5.53.09
